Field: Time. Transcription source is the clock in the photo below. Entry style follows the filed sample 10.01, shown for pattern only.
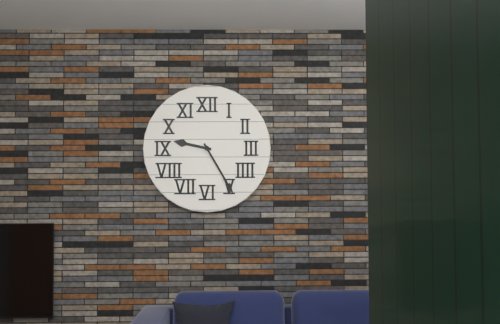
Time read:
9.25
